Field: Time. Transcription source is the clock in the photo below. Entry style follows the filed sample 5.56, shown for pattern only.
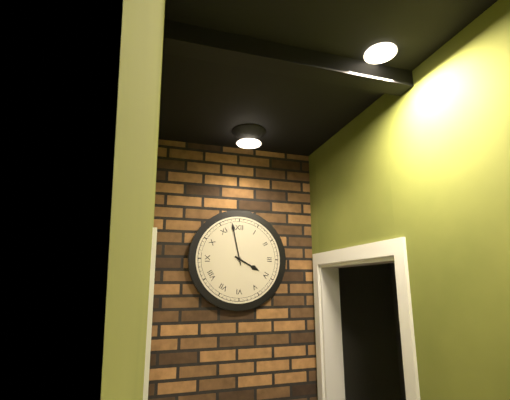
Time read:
3.58
